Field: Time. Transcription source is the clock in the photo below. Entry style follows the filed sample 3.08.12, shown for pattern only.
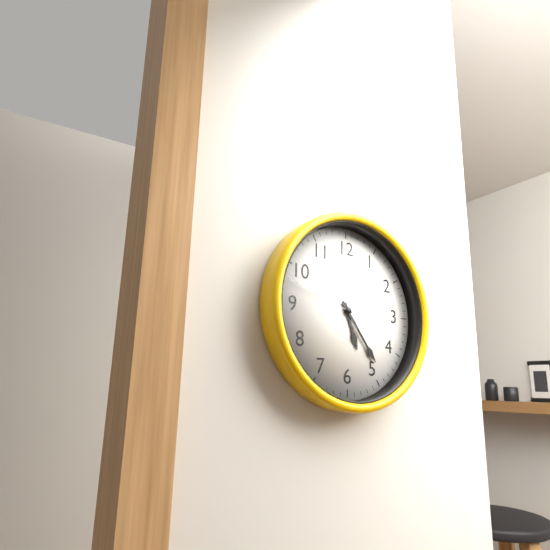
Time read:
5.24.48
